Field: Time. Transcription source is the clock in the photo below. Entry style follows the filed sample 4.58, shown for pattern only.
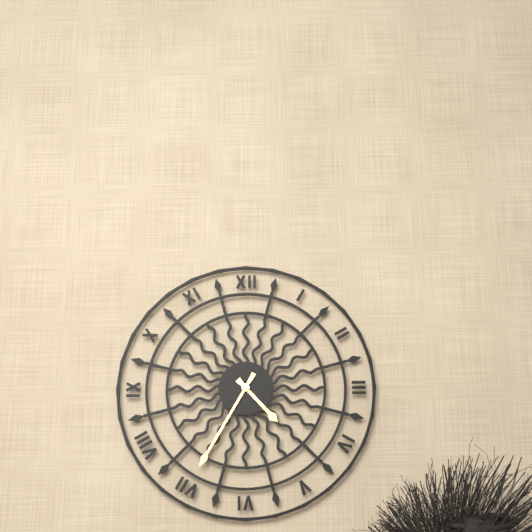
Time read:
4.35
